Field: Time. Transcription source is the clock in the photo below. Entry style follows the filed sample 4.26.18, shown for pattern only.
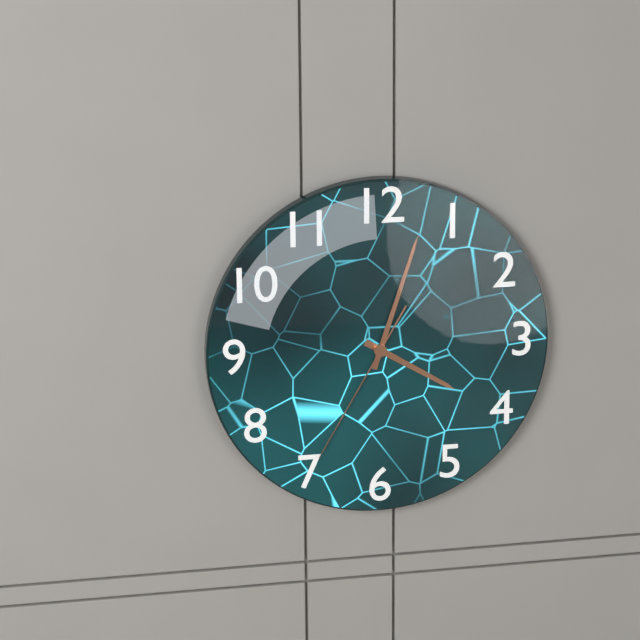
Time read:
4.03.35
